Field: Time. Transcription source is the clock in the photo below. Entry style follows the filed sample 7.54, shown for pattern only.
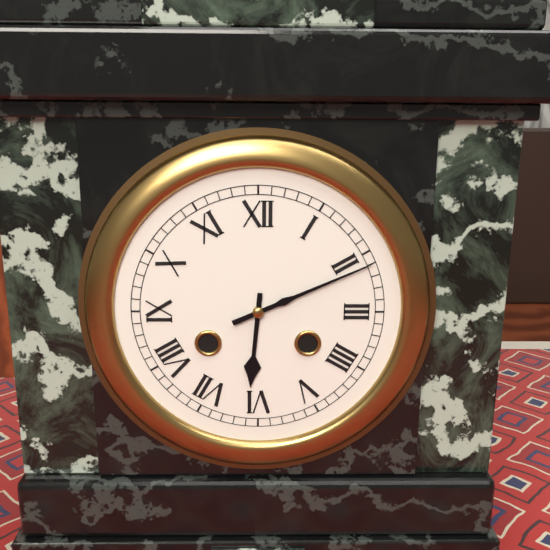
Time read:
6.11
